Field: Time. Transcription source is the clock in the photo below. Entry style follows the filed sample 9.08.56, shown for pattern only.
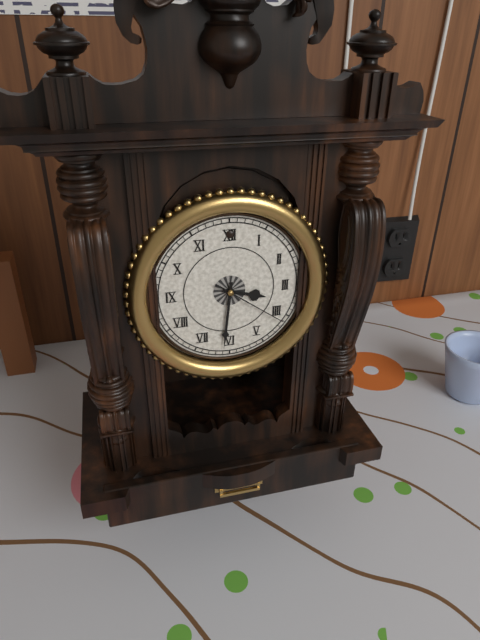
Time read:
3.31.21
